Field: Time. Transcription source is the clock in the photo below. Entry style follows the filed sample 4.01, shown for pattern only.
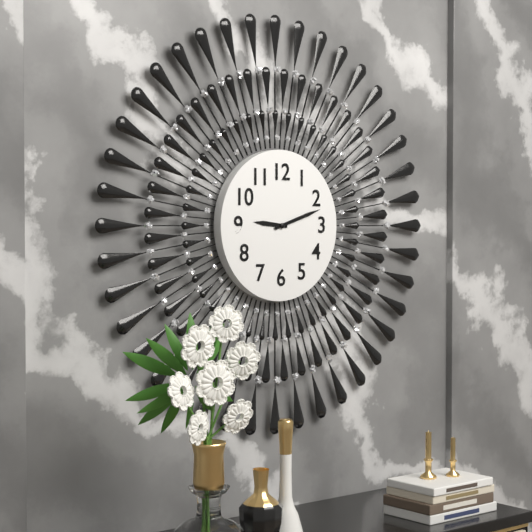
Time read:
9.12
